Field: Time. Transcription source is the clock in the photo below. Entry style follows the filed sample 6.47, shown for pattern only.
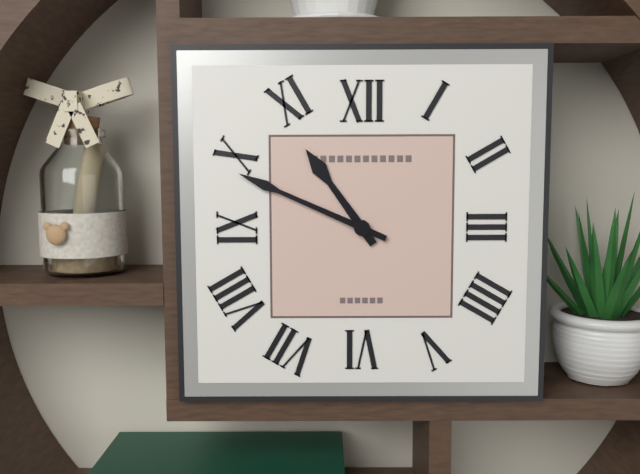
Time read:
10.49
